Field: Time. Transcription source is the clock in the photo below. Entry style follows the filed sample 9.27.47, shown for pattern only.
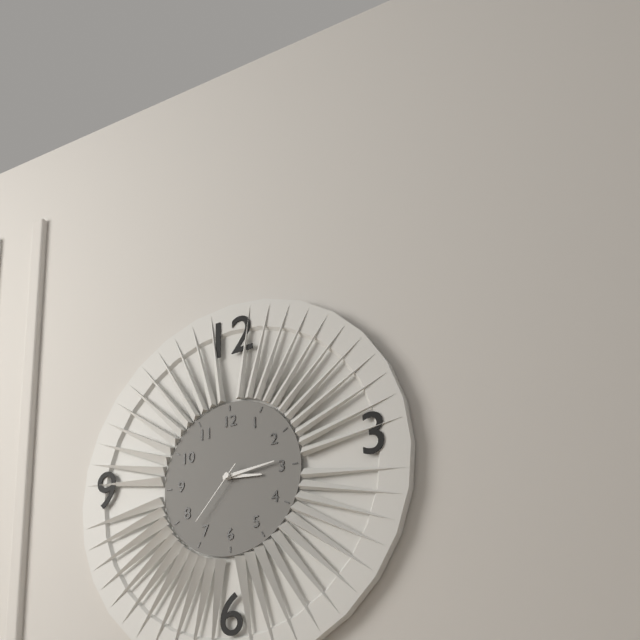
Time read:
3.14.37
